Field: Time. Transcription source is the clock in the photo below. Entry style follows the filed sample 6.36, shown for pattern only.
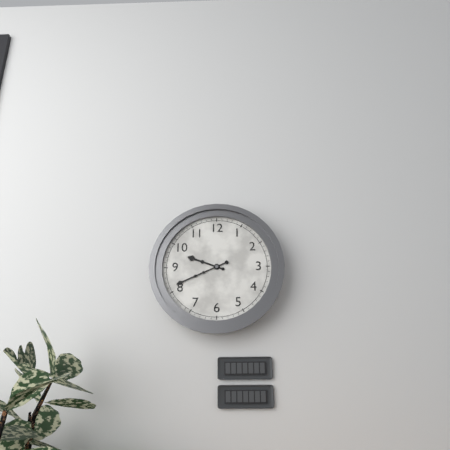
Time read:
9.41
